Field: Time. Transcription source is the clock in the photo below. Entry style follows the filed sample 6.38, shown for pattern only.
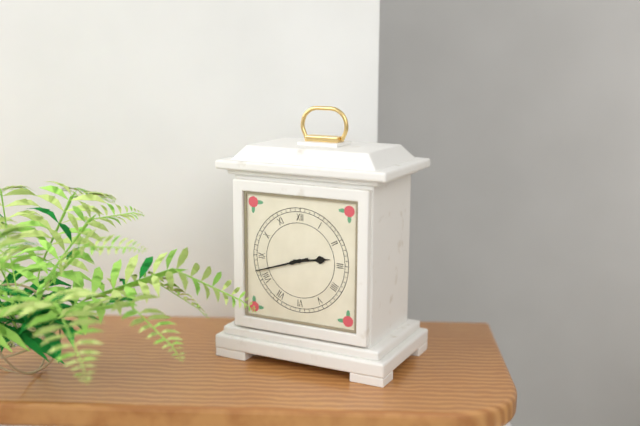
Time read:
2.42
